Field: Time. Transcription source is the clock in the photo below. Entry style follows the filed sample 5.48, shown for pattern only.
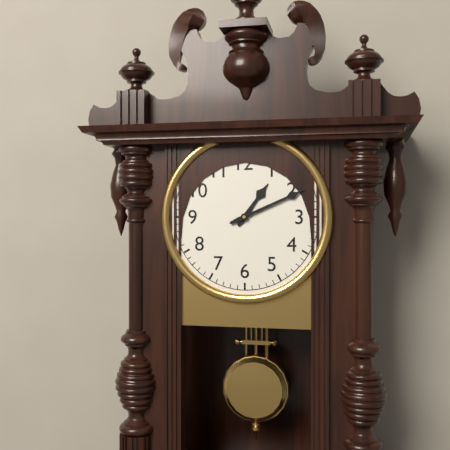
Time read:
1.11
